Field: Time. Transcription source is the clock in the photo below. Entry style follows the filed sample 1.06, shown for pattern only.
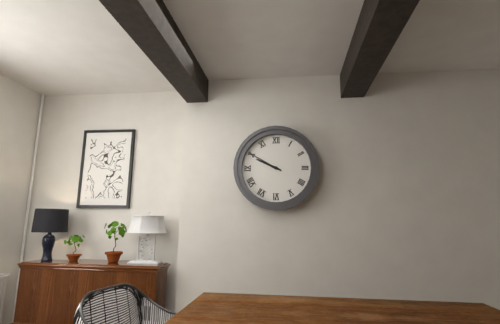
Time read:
9.50
